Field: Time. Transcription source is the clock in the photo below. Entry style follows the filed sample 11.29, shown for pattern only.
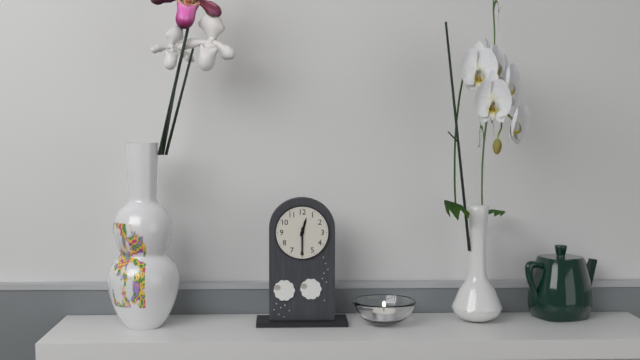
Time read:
12.30
